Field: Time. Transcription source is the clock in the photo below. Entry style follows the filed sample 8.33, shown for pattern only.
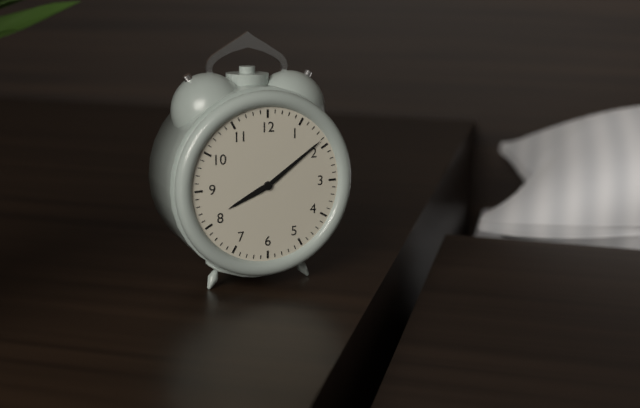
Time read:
8.09
